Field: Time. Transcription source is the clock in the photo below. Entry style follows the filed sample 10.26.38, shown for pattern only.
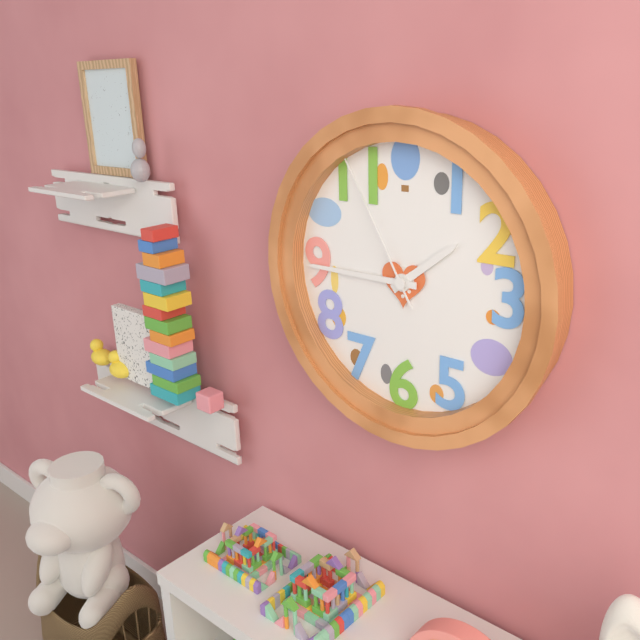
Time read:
1.45.55
